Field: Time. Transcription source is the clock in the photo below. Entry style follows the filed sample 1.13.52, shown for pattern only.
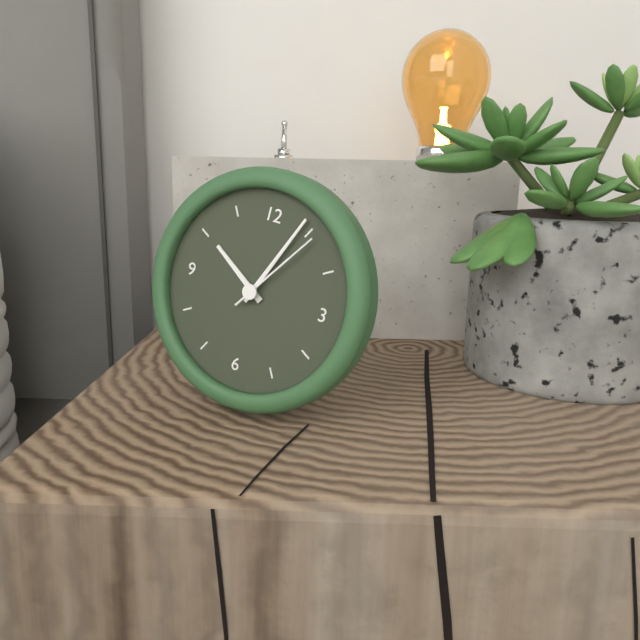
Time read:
10.04.06
